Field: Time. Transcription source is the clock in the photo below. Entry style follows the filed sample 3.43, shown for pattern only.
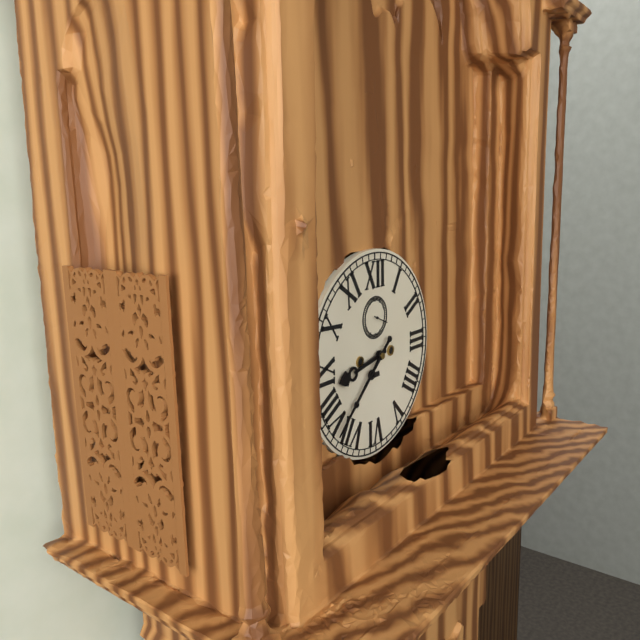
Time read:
8.38
